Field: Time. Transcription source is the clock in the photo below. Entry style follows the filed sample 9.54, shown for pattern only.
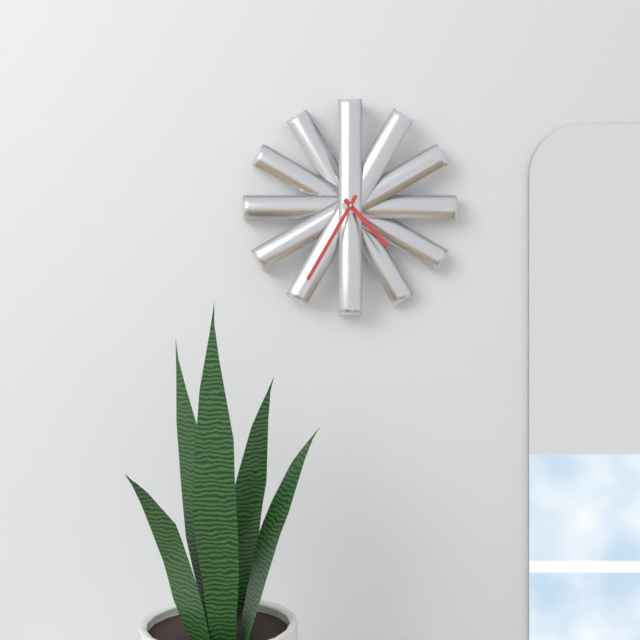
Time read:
4.35
